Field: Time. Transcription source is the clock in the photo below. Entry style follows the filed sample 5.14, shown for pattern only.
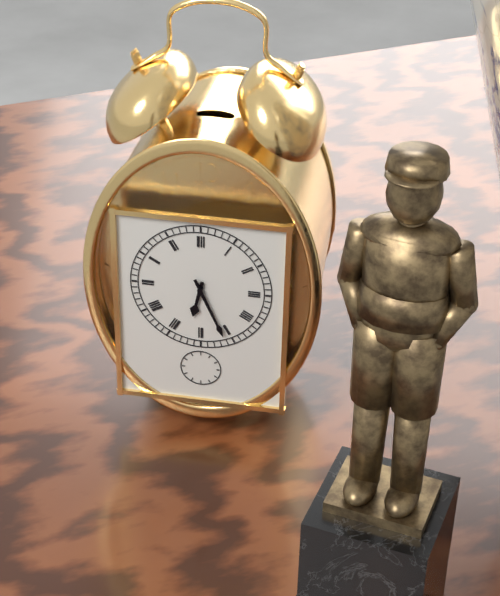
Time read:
6.26
